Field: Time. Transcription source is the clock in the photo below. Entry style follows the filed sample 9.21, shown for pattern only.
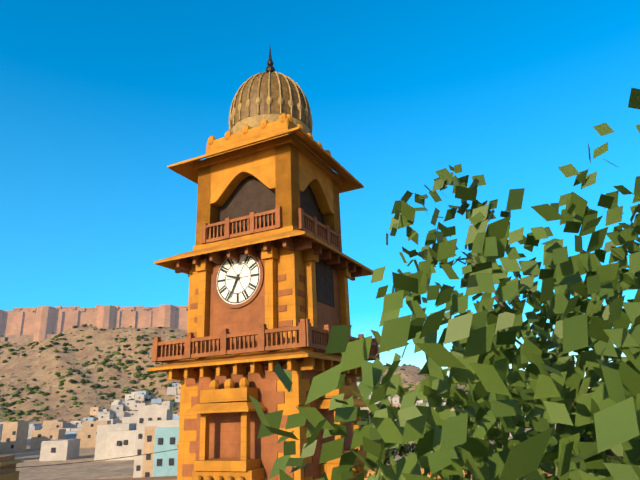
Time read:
9.34
